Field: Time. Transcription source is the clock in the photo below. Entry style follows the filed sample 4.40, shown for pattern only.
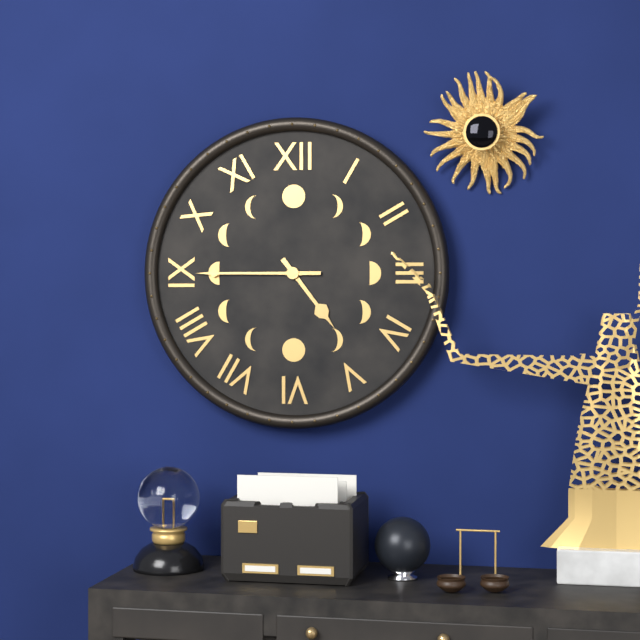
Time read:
4.45
